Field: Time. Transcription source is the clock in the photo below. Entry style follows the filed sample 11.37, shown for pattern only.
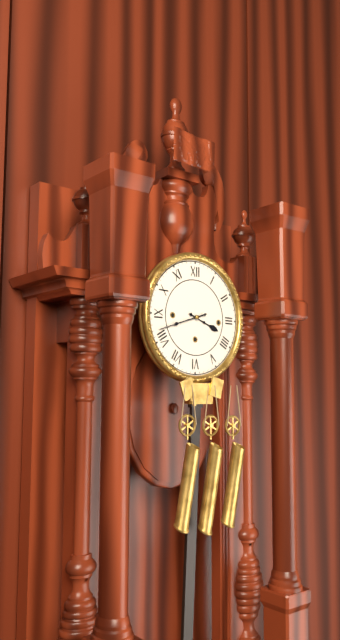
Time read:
3.42
